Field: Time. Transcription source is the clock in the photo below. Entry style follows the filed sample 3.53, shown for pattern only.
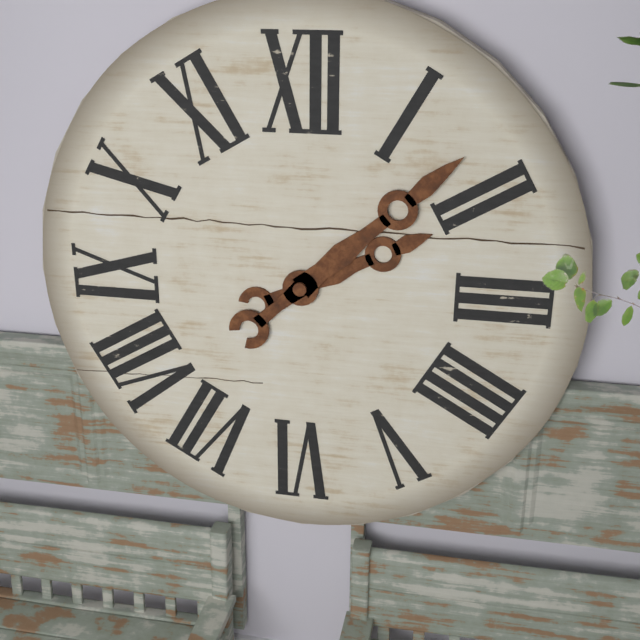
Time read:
2.08
